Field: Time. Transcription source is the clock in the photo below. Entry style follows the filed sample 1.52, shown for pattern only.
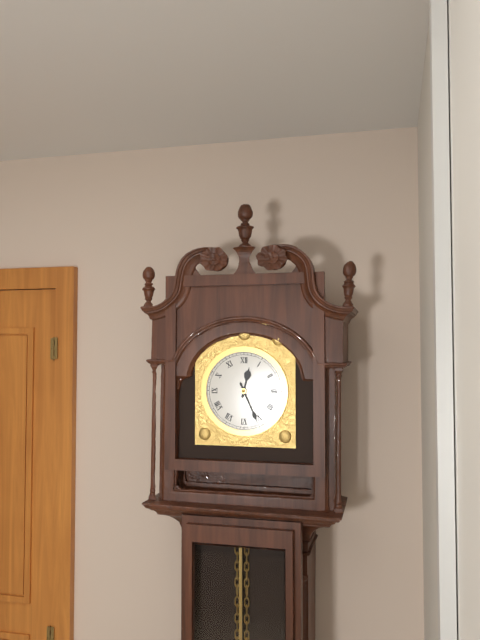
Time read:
12.26
